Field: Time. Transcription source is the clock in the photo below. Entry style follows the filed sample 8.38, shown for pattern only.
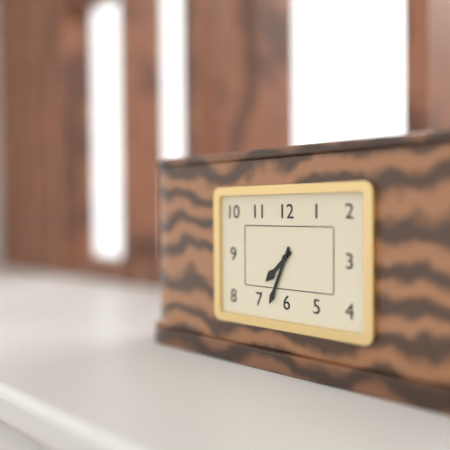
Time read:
7.34
